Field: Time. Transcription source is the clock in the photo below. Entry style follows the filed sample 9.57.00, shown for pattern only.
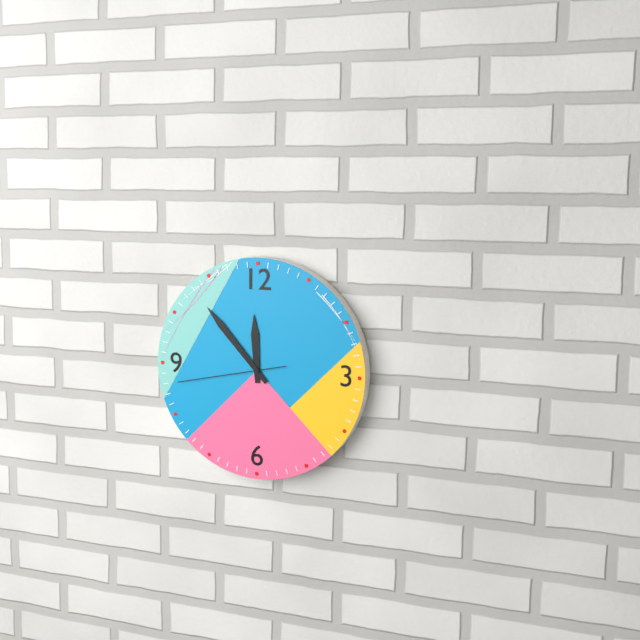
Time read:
11.53.43
